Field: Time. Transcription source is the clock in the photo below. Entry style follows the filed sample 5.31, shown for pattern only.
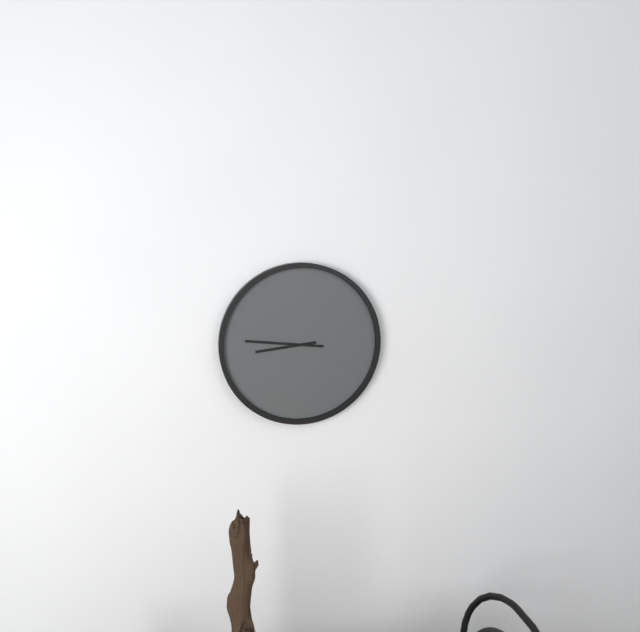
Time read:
8.46
